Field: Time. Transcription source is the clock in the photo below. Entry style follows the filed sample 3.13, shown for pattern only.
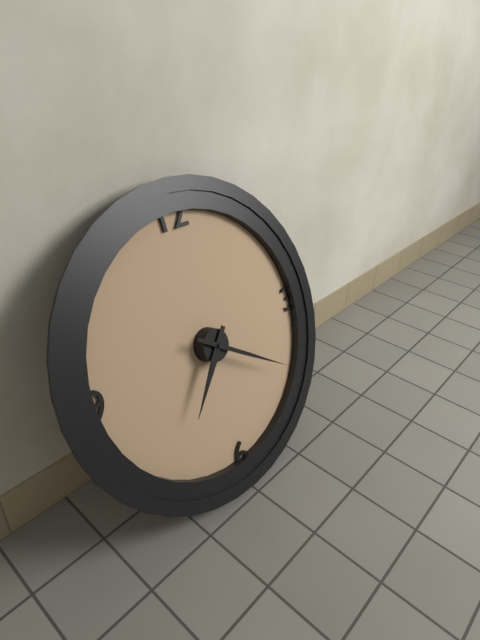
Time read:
7.21
